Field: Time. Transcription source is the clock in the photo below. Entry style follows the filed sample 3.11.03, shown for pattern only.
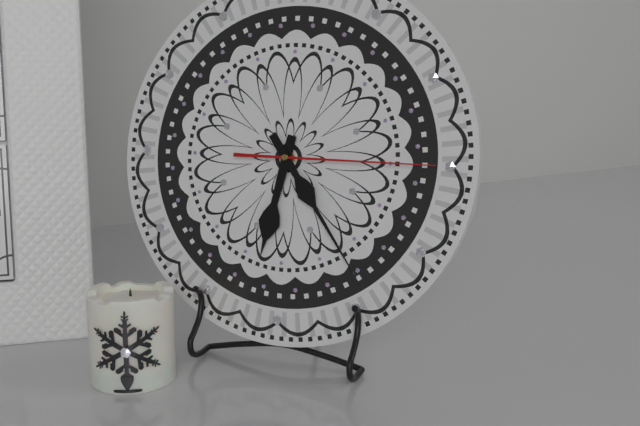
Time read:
6.24.15
